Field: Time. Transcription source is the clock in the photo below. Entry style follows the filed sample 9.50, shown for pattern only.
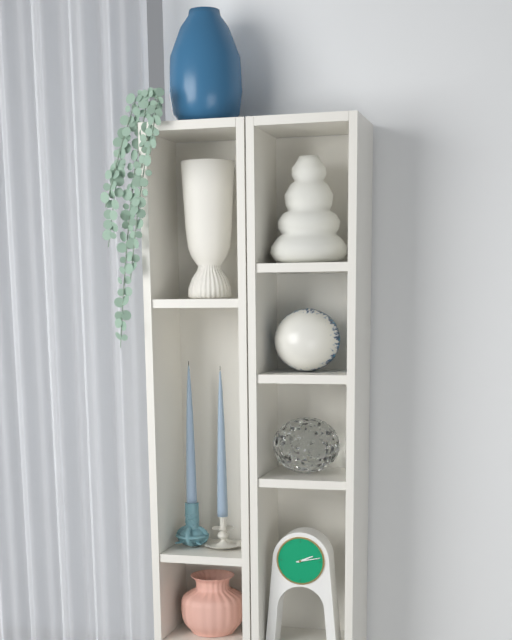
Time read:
2.13
